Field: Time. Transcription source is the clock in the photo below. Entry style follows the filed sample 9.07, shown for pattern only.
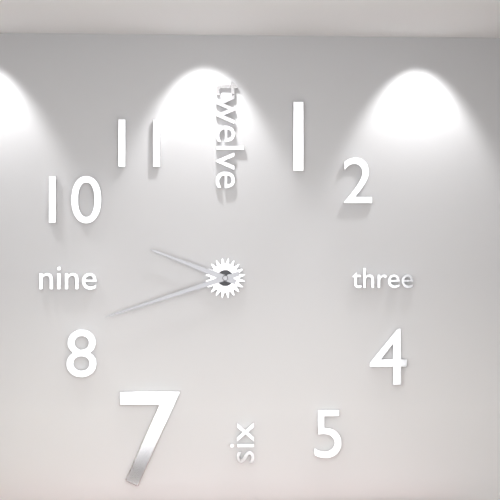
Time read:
9.42
